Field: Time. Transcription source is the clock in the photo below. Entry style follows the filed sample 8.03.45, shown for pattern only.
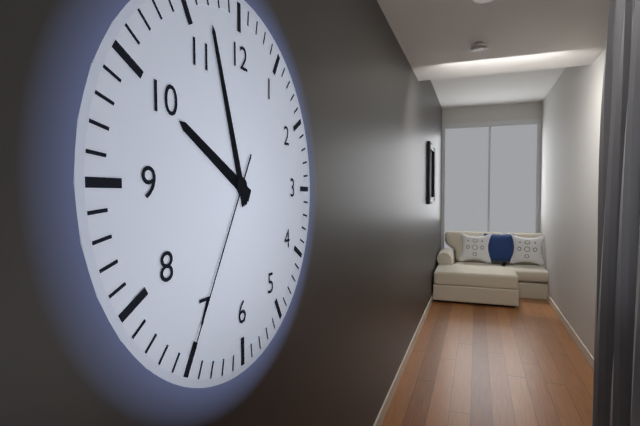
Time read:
9.57.35
